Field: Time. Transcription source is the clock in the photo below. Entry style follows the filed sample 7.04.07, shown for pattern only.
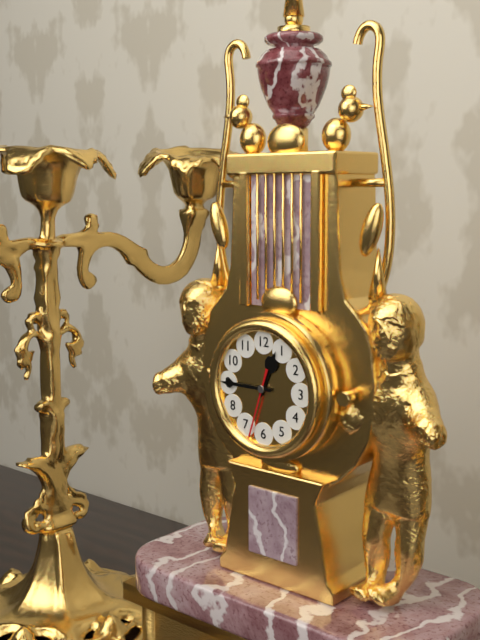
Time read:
12.45.33
